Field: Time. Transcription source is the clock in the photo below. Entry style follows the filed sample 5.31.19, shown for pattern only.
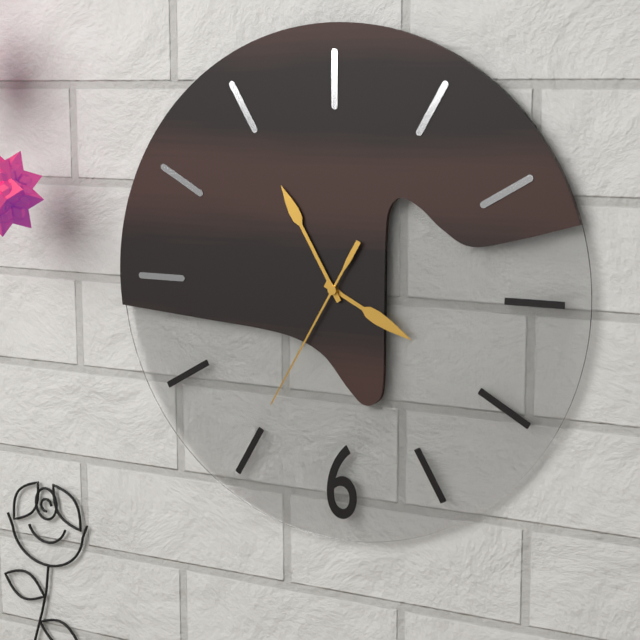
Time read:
3.55.35
